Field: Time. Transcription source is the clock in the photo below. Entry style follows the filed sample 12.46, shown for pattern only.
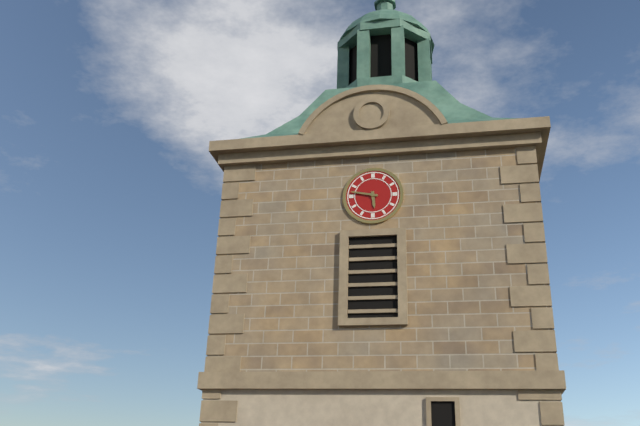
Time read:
5.47
